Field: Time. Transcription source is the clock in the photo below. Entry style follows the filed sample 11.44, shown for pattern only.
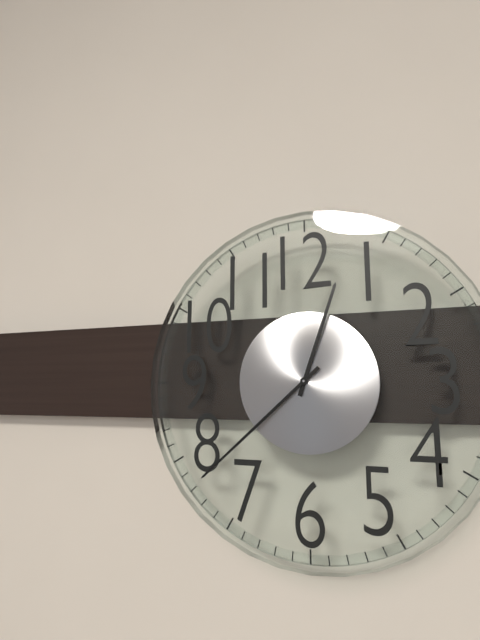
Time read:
12.38
